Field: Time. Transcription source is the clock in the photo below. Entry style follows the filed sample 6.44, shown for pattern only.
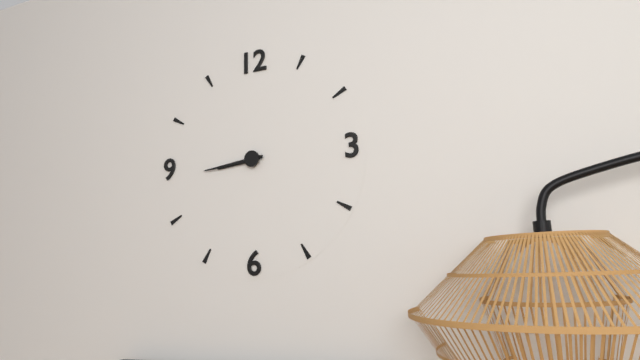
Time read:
8.44
